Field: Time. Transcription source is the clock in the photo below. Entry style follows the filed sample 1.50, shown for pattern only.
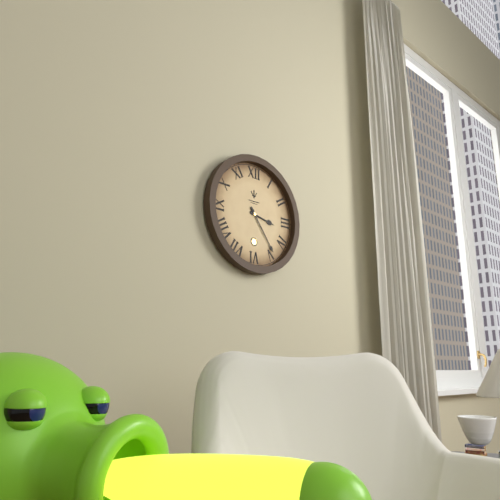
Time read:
3.24
